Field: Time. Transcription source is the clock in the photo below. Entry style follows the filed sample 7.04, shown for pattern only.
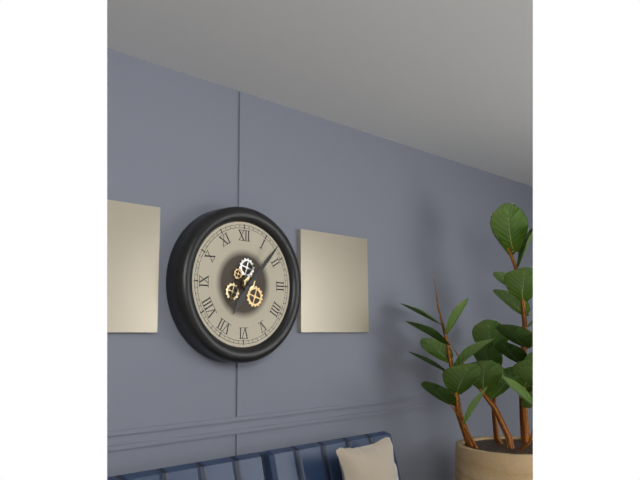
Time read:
7.07
